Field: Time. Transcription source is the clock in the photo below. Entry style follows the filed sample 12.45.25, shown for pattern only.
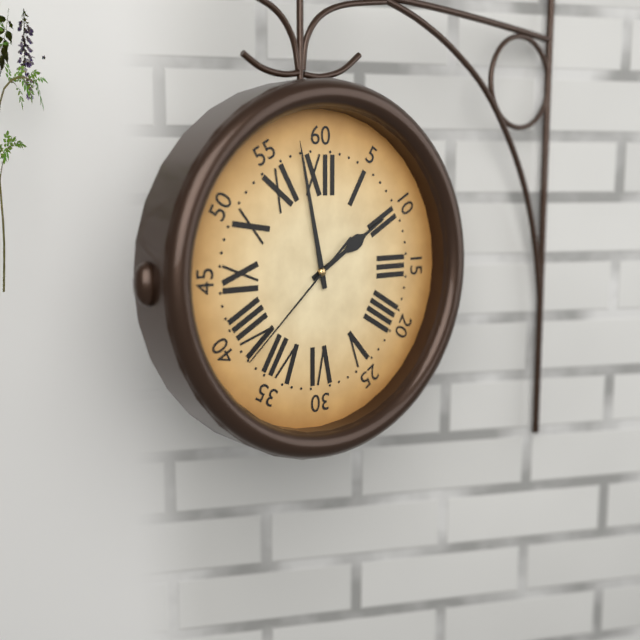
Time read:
1.58.38
